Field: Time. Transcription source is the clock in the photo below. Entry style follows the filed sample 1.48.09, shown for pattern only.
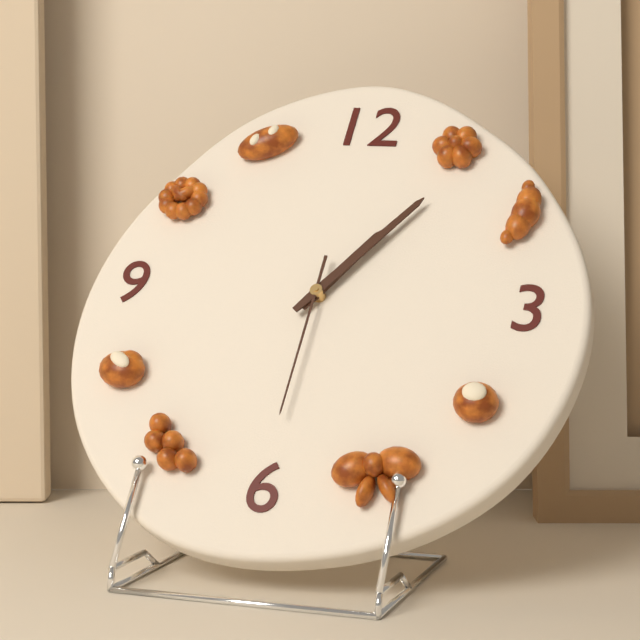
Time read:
1.06.30
